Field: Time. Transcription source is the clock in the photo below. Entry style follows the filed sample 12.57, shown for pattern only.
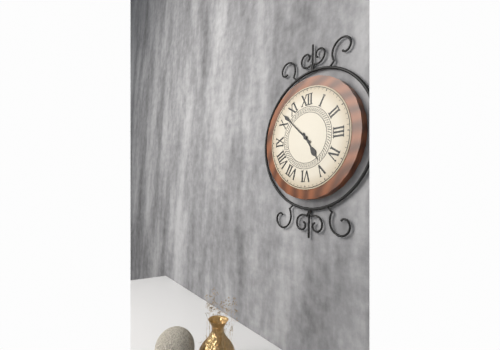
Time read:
4.52
